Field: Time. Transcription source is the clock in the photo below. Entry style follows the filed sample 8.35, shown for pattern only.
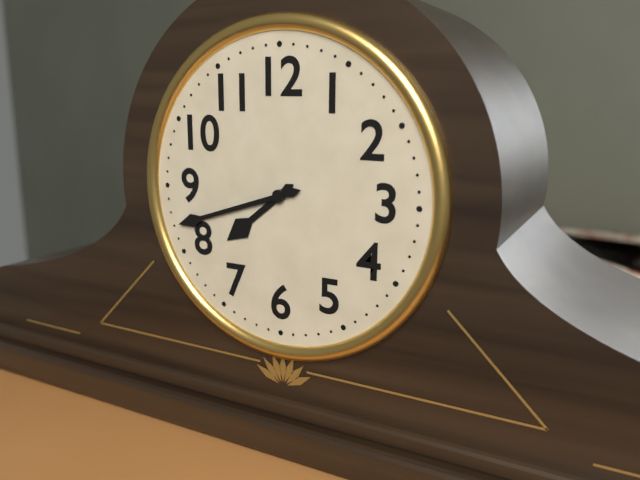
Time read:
7.42
